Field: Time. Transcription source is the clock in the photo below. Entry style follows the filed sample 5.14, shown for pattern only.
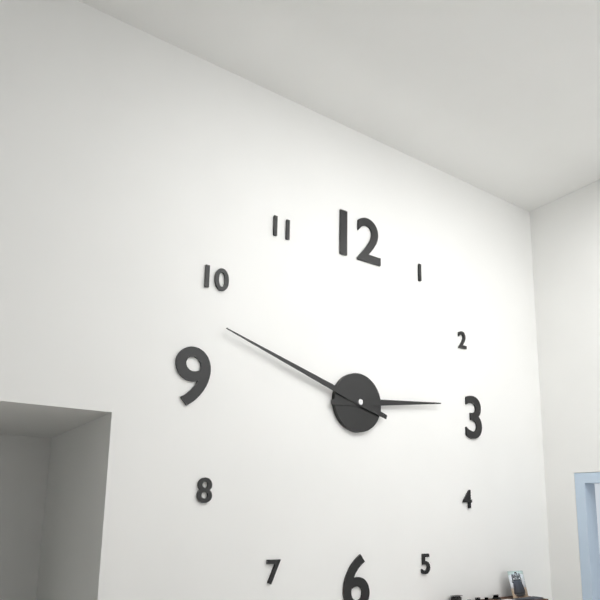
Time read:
2.48
